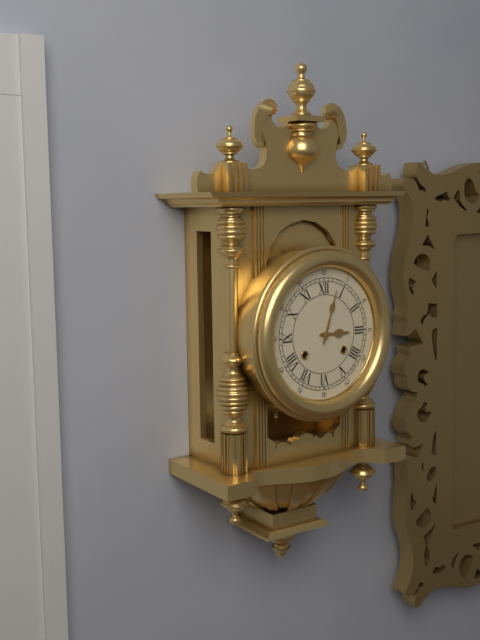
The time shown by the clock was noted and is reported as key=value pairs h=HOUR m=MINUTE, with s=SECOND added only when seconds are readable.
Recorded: h=3 m=3
